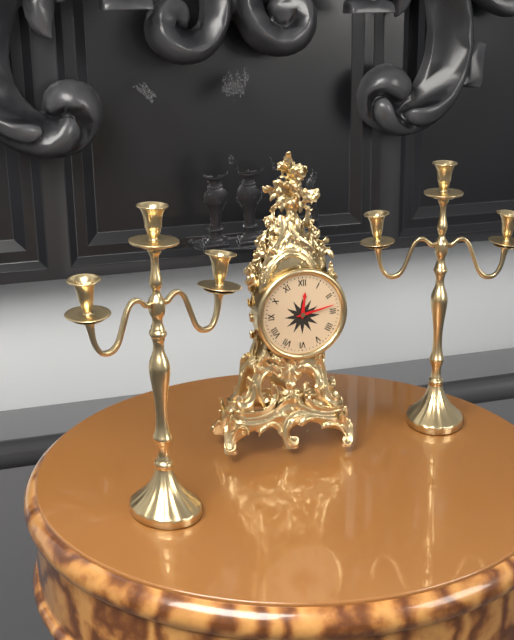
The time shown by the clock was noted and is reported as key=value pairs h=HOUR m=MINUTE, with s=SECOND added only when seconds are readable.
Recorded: h=12 m=13
